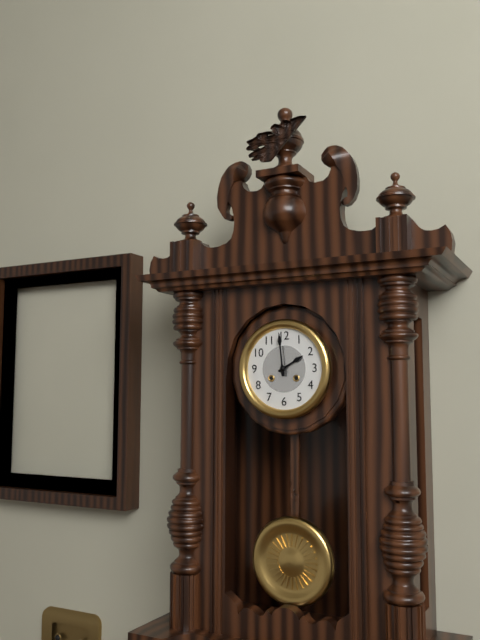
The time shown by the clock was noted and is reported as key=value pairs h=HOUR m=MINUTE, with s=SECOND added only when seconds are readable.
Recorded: h=1 m=59
